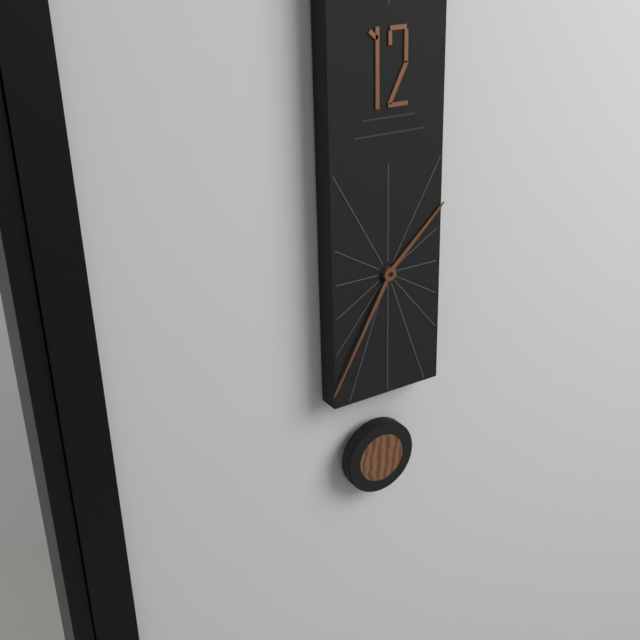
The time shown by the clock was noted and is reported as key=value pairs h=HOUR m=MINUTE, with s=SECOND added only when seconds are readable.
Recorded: h=1 m=35
